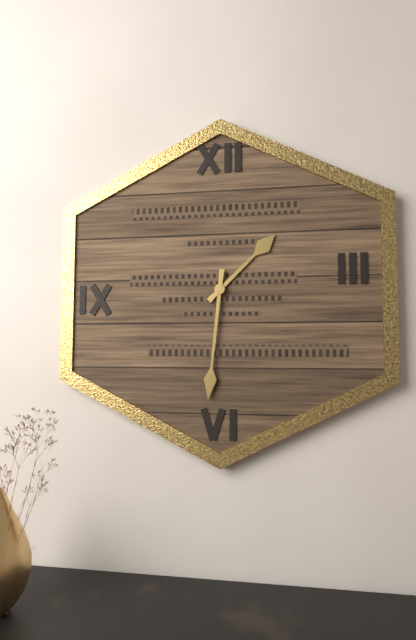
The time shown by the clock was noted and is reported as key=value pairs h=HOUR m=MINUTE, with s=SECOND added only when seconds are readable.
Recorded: h=1 m=31
